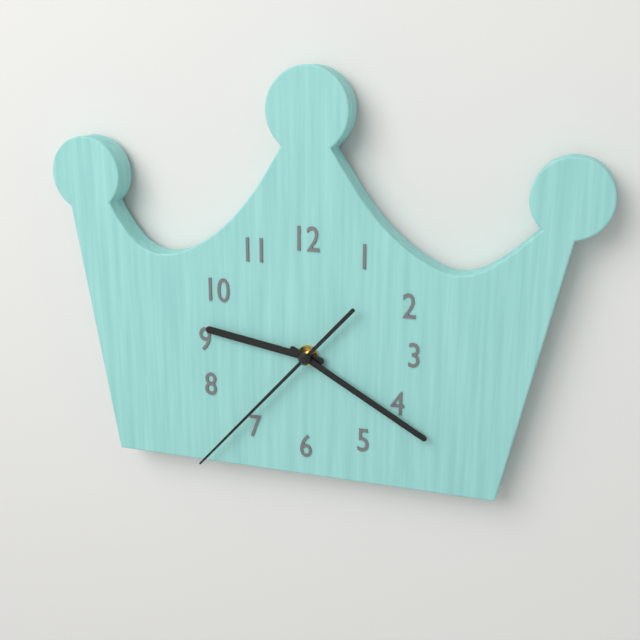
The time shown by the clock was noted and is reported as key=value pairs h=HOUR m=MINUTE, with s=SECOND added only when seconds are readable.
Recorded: h=9 m=20 s=37
